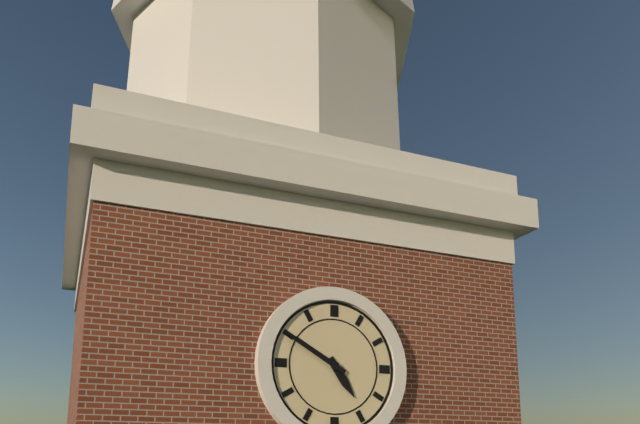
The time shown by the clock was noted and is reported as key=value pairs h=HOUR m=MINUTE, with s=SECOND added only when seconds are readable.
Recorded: h=4 m=50
